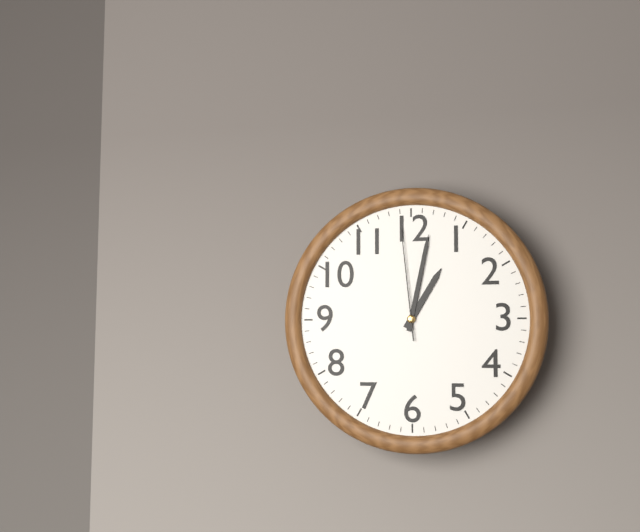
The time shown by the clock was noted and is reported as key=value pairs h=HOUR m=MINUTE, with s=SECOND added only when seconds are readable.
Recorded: h=1 m=2 s=59
